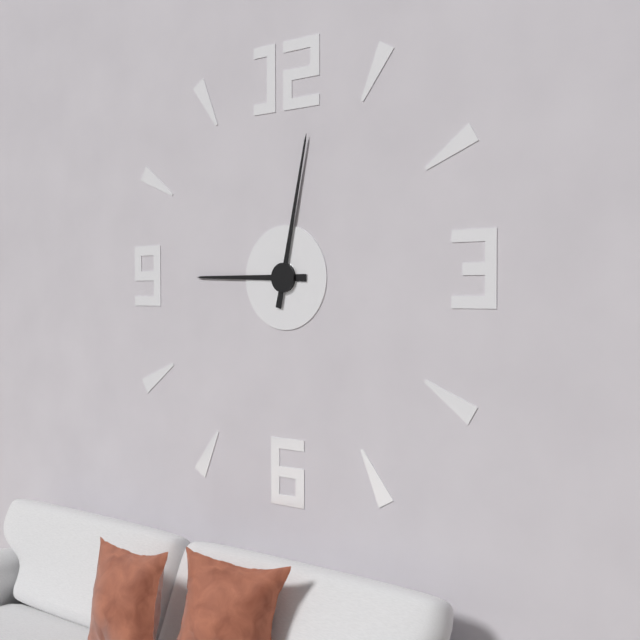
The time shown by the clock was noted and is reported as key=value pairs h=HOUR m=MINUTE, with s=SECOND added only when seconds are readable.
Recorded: h=9 m=2
